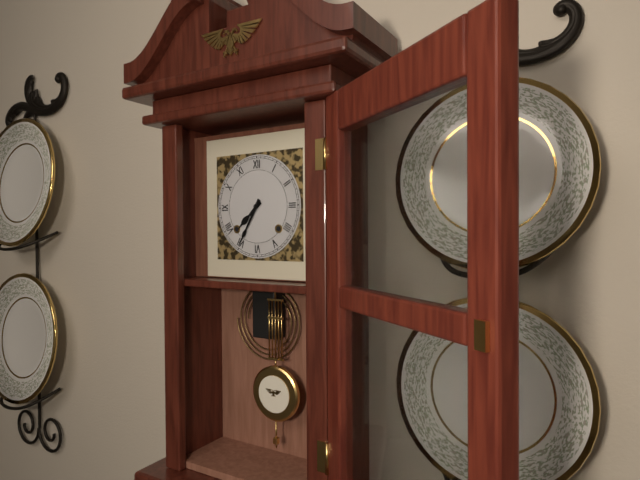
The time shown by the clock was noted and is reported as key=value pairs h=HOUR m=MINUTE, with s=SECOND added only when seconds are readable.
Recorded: h=7 m=35
